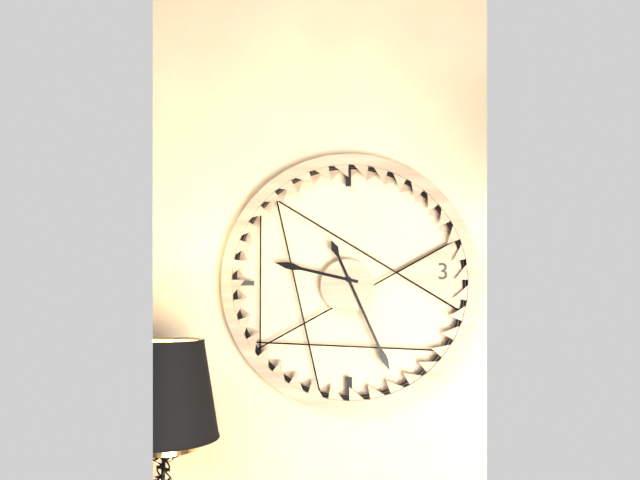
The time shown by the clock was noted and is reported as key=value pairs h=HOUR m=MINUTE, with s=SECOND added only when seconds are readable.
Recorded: h=9 m=26
